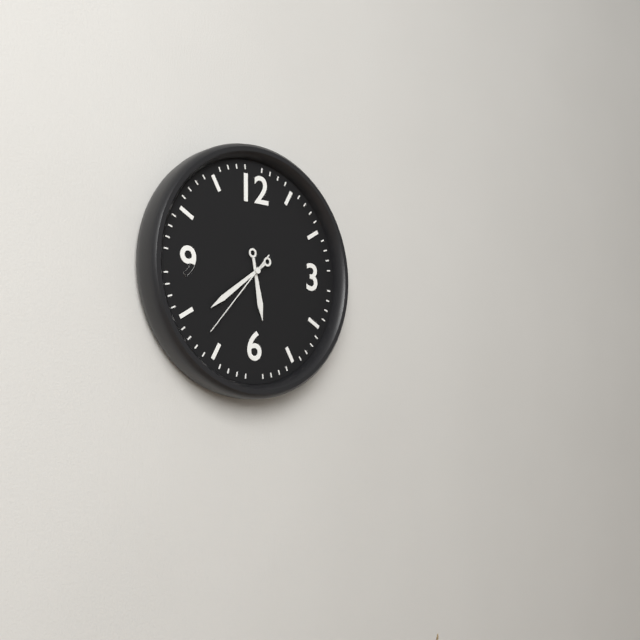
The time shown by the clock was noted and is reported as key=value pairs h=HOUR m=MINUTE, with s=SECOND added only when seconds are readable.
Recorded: h=5 m=39 s=37
